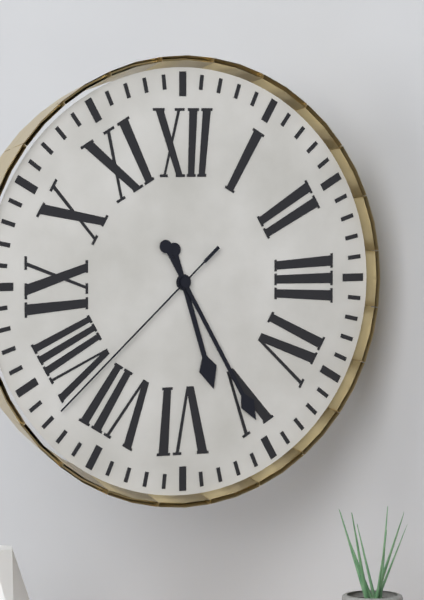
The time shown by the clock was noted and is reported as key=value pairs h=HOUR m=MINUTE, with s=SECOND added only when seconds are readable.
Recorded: h=5 m=25 s=38
